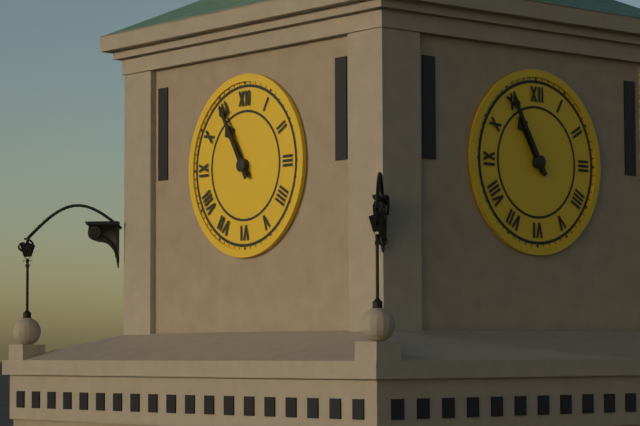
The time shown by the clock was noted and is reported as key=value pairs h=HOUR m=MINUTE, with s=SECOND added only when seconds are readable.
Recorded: h=10 m=55
